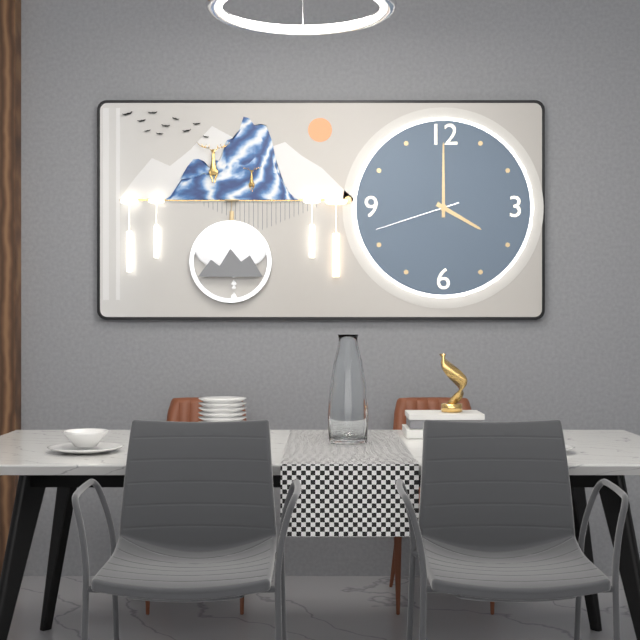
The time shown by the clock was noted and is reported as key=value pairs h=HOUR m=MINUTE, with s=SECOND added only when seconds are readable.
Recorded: h=4 m=0 s=42
